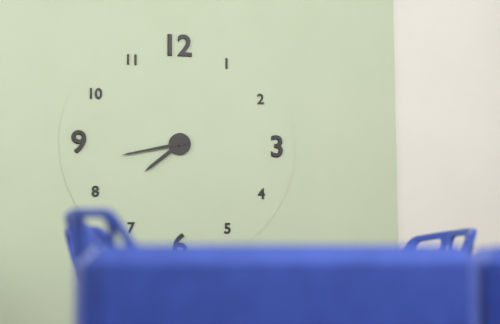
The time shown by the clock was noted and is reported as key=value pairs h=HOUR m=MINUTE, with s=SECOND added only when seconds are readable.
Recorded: h=7 m=43
